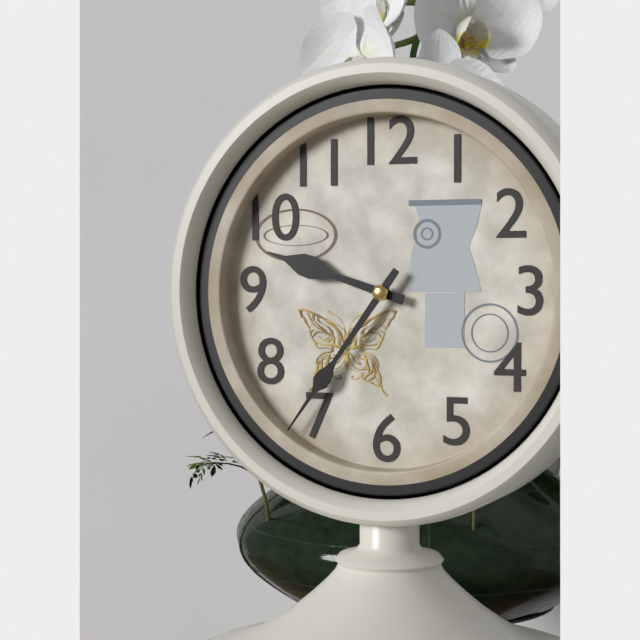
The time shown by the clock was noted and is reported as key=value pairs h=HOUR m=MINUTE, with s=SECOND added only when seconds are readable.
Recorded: h=9 m=36
